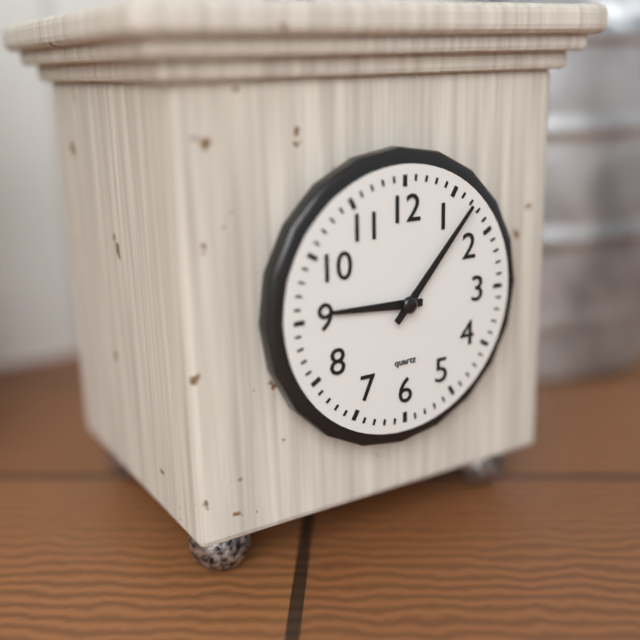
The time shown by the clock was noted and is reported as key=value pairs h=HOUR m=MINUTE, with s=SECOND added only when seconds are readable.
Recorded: h=9 m=7
